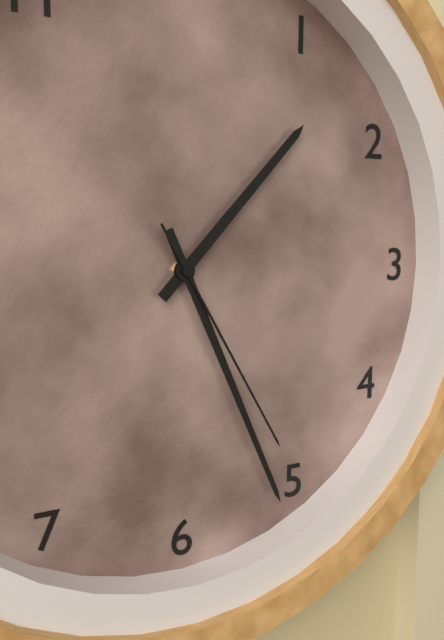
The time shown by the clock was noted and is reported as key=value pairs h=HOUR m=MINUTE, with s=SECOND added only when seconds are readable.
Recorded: h=1 m=26 s=25
